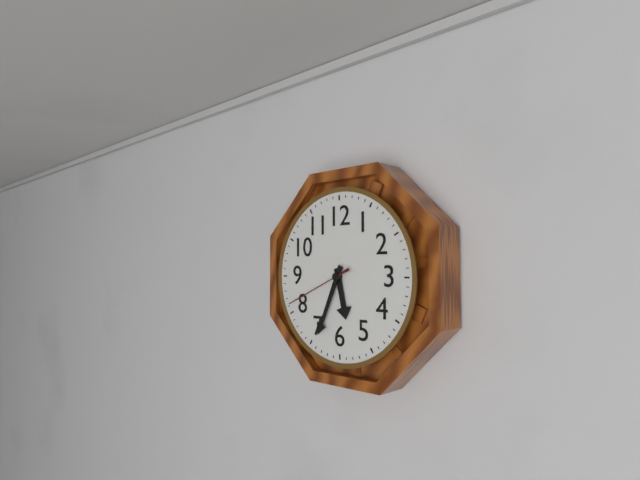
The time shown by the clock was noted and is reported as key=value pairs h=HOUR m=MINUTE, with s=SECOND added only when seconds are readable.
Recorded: h=5 m=34 s=41
